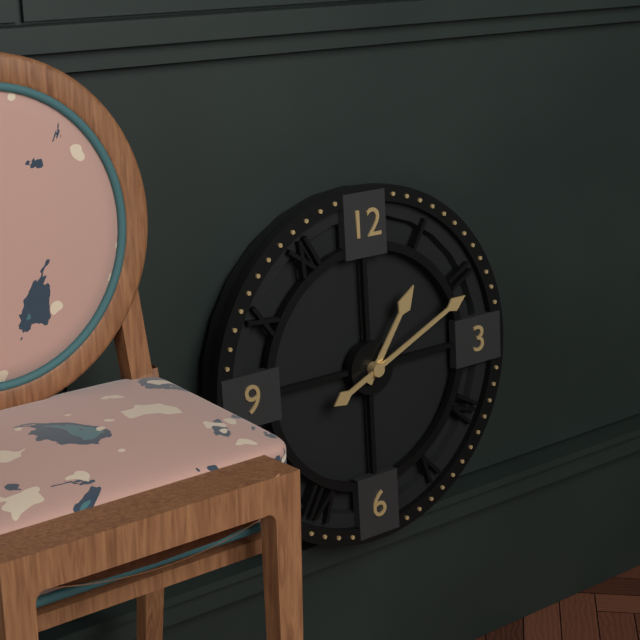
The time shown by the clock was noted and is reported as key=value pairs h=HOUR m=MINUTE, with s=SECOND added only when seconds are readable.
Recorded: h=1 m=11
